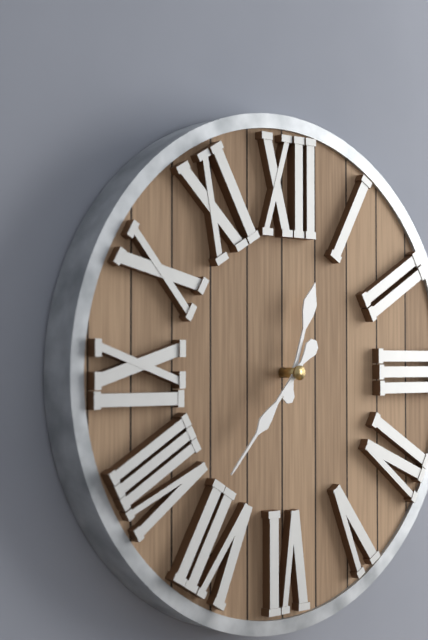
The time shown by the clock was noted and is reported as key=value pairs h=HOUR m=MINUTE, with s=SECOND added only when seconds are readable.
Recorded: h=12 m=37
